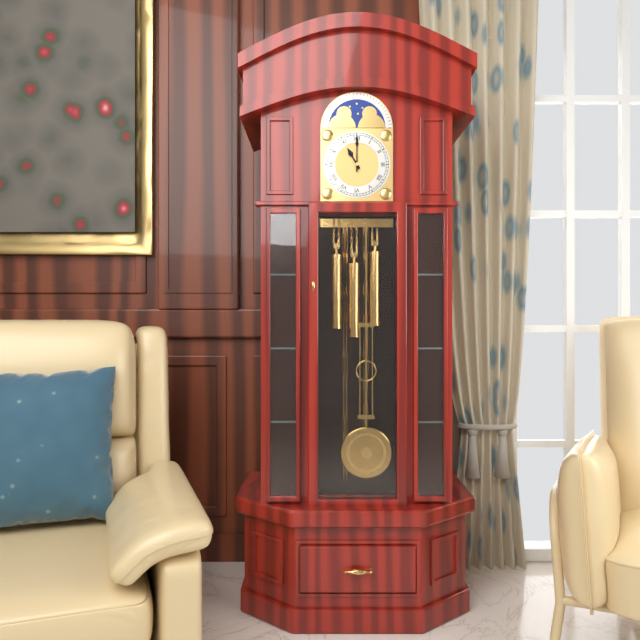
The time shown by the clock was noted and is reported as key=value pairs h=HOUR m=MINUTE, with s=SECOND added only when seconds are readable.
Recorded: h=11 m=0
